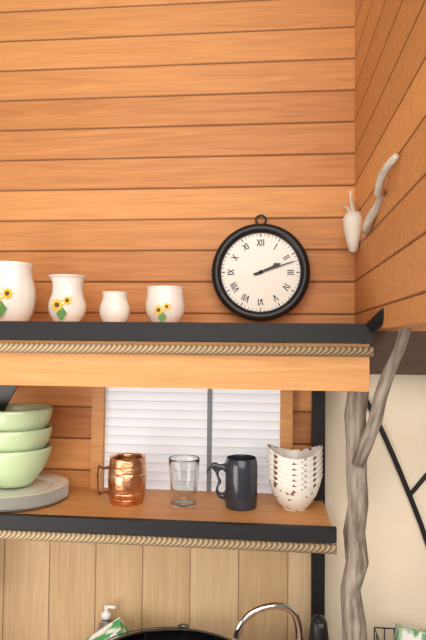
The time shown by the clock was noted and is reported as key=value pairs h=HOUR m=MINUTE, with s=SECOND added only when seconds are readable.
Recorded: h=2 m=12
